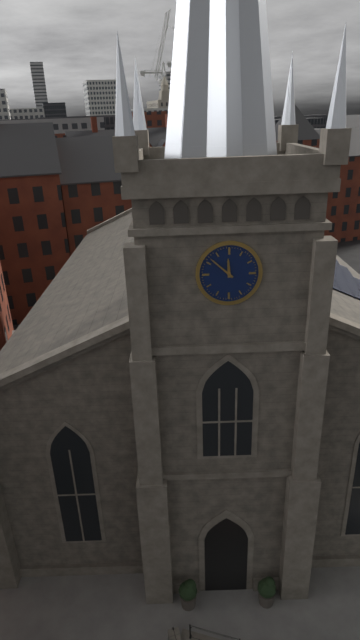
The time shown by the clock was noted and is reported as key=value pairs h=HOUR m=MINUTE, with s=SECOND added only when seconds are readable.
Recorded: h=11 m=52
